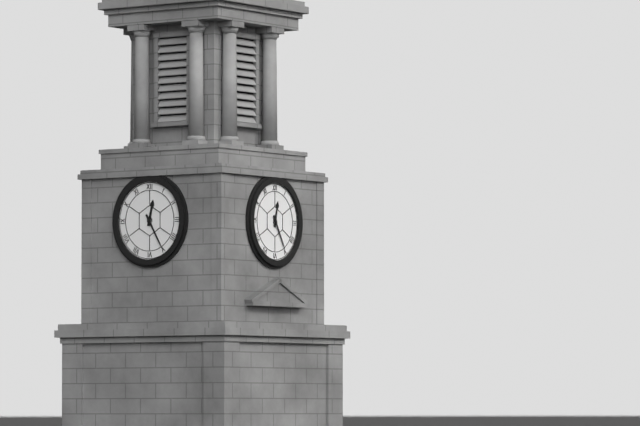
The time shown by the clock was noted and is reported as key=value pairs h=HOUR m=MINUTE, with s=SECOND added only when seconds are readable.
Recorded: h=12 m=25
